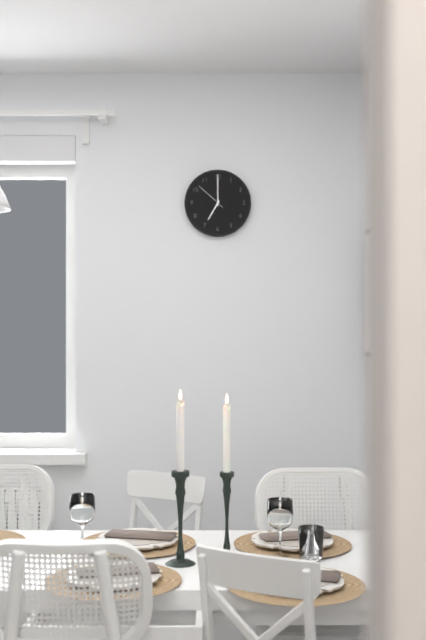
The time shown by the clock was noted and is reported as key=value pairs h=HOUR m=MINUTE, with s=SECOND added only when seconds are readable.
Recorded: h=7 m=0
